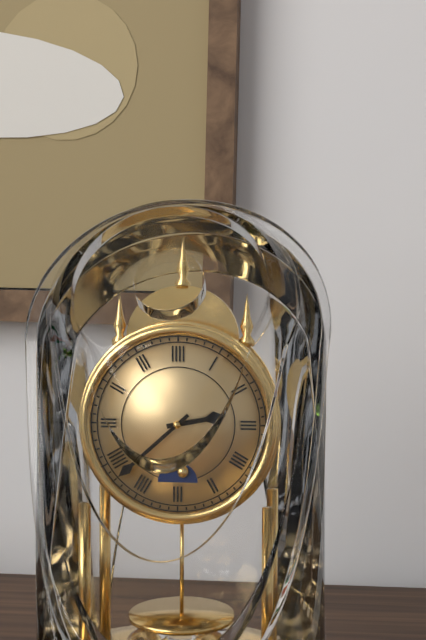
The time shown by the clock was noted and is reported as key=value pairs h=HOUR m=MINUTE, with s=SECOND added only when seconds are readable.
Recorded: h=2 m=38
